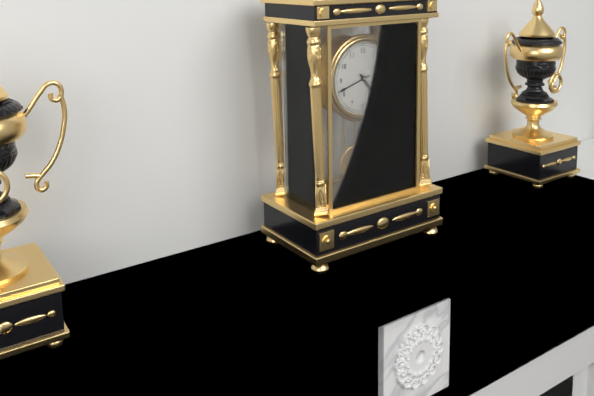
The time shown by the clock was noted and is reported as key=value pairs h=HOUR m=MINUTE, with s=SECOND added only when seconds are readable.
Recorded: h=4 m=42
